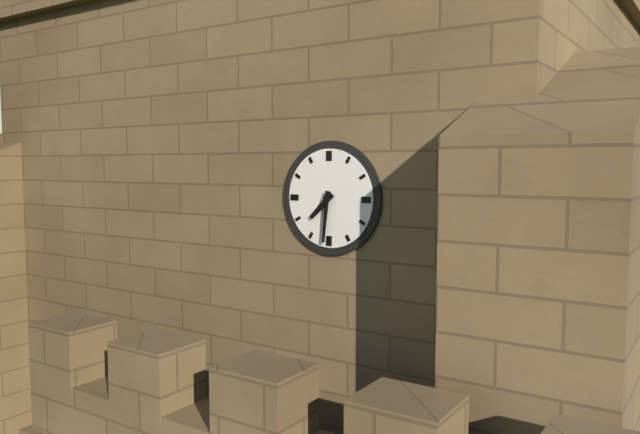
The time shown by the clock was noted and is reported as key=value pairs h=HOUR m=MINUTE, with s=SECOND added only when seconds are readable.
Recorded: h=7 m=31
